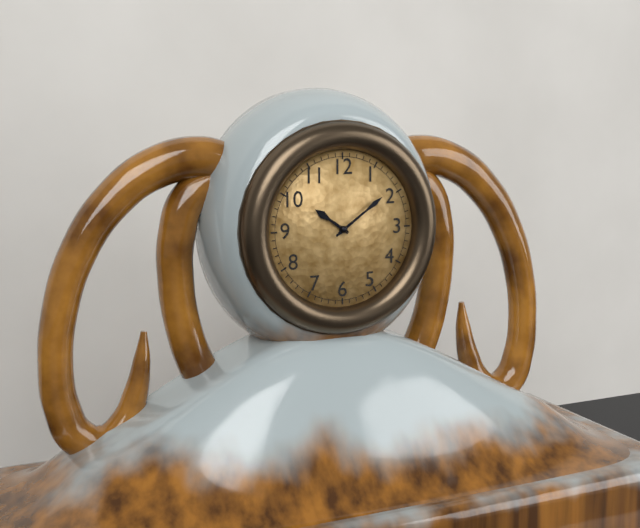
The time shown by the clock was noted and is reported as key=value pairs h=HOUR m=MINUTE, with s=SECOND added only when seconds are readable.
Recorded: h=10 m=9
